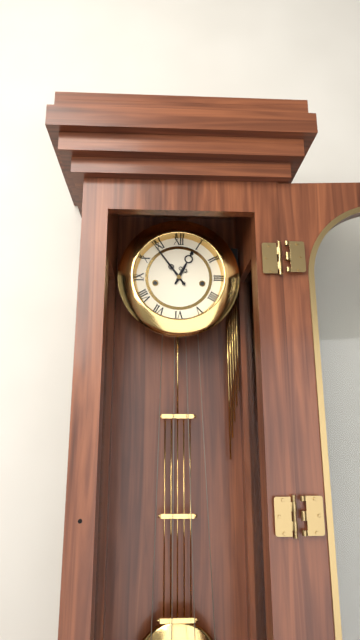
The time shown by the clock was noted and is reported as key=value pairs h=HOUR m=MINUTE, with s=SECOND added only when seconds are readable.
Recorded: h=12 m=54
